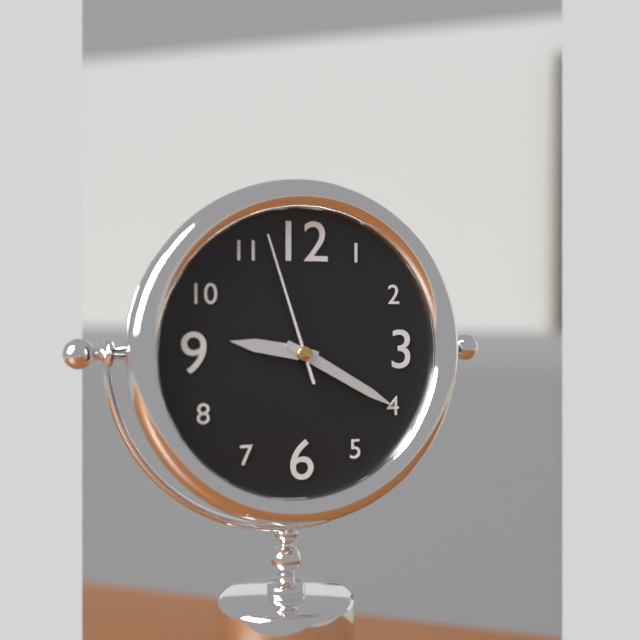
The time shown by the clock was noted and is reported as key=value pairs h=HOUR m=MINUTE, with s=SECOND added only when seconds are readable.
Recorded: h=9 m=20 s=57
